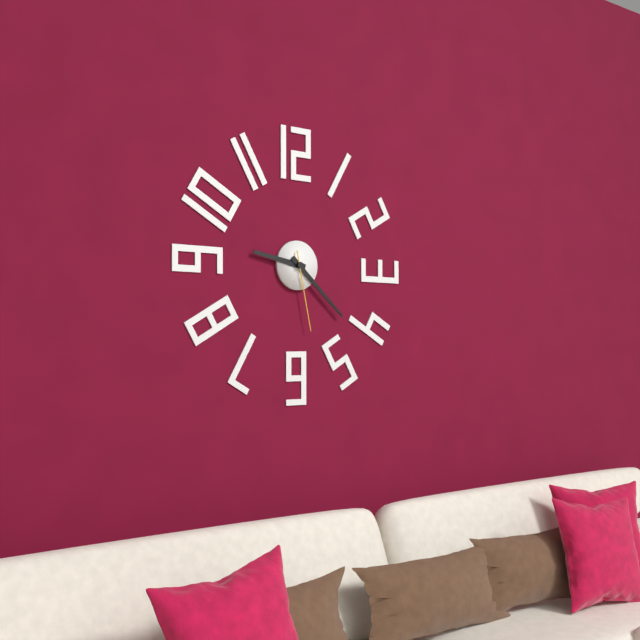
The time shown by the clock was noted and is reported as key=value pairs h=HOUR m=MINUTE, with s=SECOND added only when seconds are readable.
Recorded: h=9 m=22 s=28
